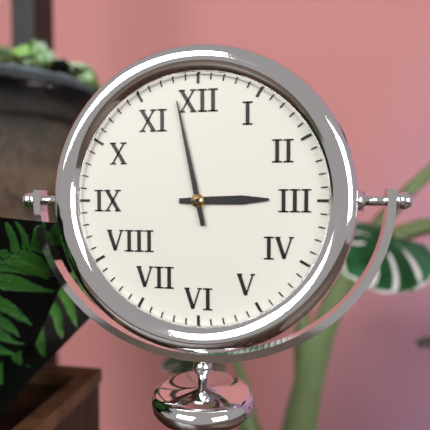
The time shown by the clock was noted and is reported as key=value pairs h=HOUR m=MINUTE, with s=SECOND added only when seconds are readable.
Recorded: h=2 m=58
